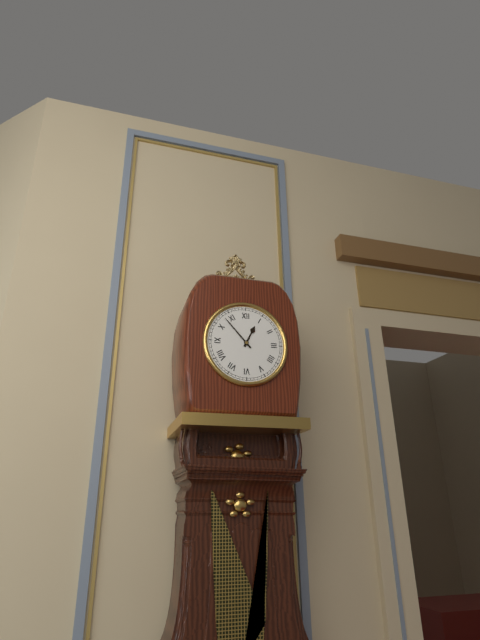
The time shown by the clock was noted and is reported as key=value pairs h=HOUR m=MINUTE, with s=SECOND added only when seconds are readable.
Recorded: h=12 m=53
